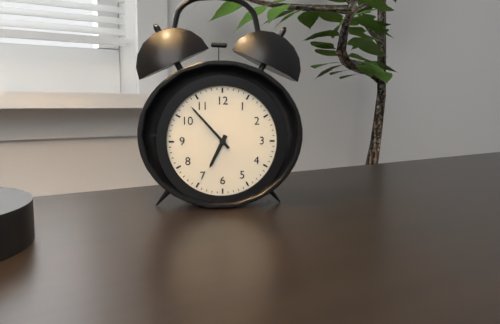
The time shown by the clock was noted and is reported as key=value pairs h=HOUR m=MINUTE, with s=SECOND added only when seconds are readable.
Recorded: h=6 m=53
